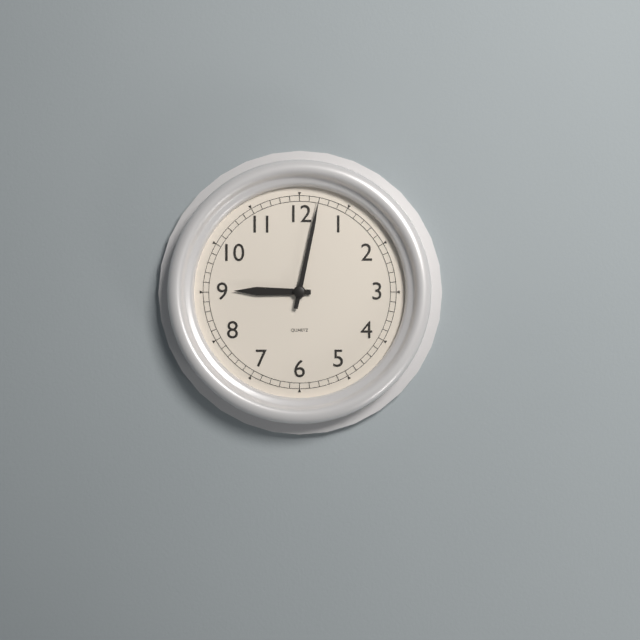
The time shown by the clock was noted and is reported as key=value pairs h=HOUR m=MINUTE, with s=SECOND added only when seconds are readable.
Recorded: h=9 m=2
